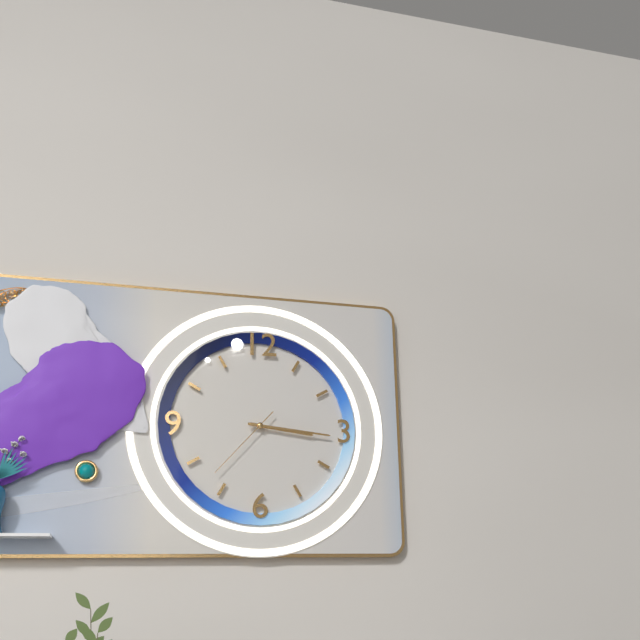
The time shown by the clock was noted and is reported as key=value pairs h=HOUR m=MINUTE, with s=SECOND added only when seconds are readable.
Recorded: h=3 m=16 s=37
